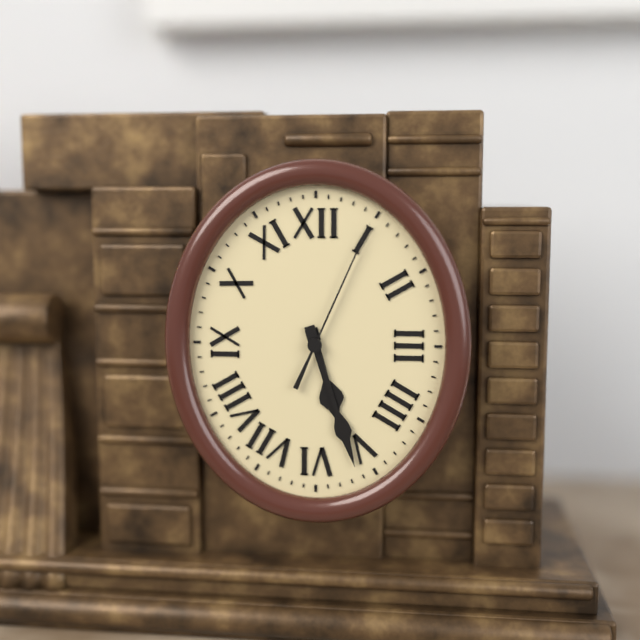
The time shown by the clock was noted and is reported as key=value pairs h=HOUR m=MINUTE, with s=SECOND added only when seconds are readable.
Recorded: h=5 m=27 s=4
